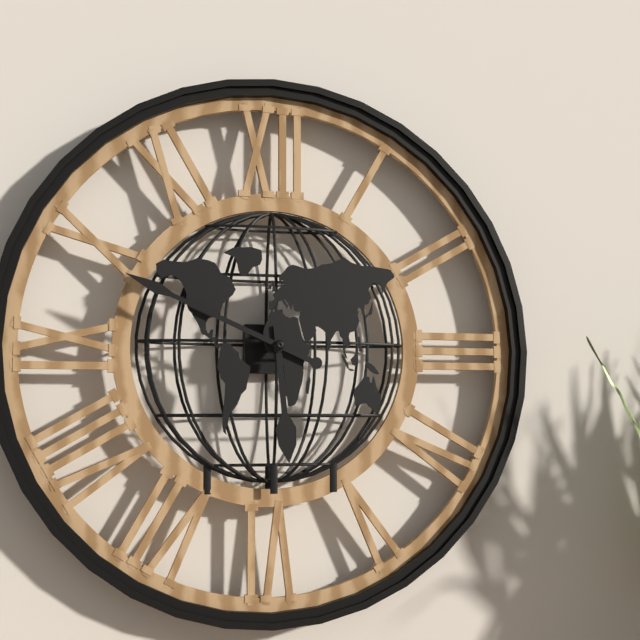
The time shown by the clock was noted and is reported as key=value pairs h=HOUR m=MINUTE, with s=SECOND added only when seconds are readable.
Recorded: h=5 m=49
